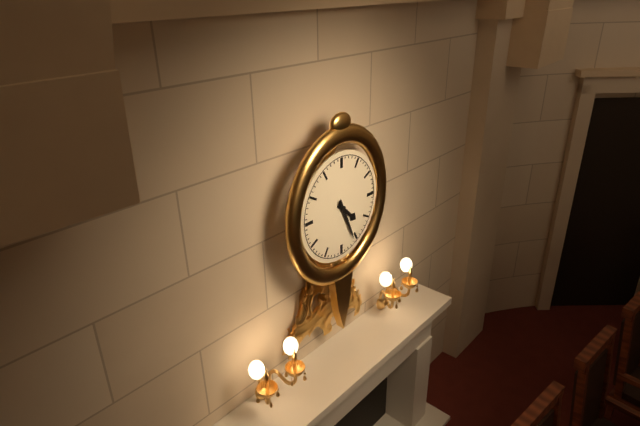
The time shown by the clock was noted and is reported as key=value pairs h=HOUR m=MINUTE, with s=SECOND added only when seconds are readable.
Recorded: h=4 m=26
